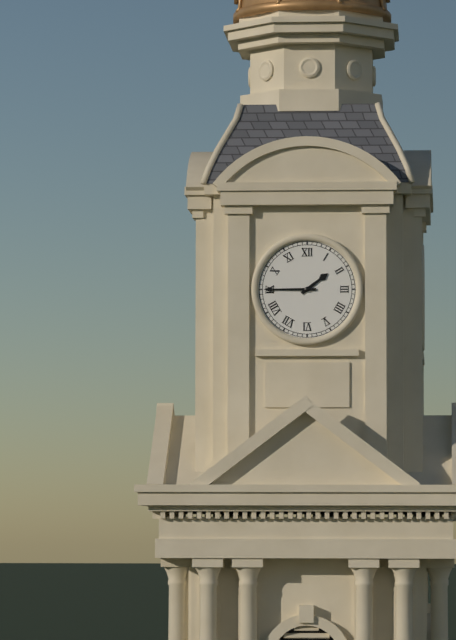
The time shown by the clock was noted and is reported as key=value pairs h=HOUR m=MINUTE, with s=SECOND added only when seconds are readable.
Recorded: h=1 m=45
